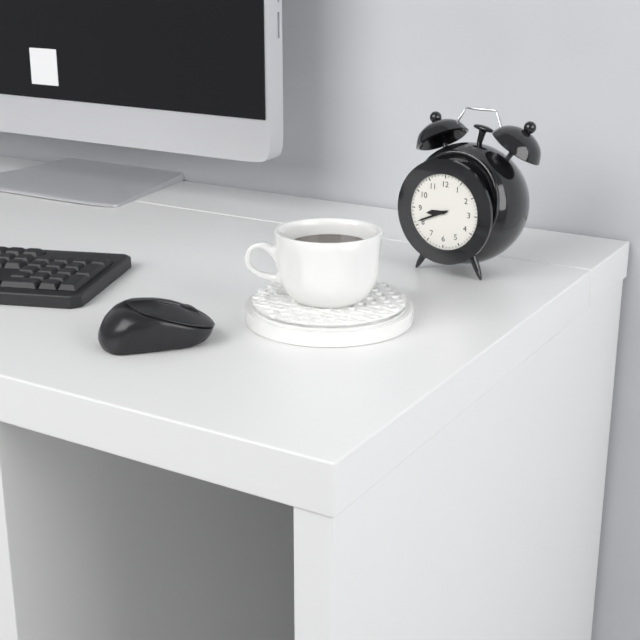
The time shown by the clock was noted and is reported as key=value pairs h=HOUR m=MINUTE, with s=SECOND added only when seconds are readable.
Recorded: h=8 m=41
